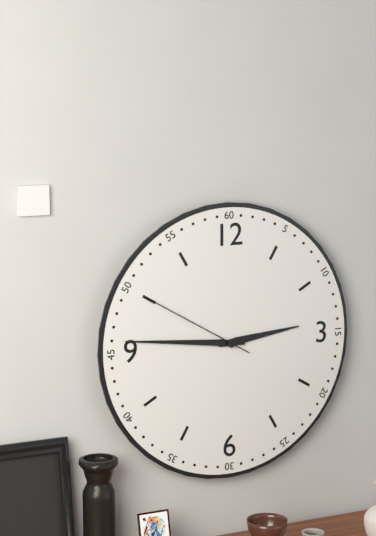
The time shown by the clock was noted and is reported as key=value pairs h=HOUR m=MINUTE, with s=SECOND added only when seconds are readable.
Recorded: h=2 m=46 s=50
